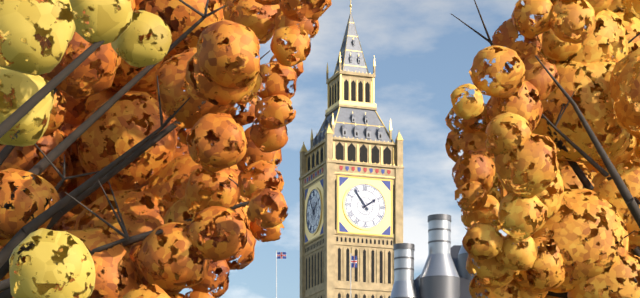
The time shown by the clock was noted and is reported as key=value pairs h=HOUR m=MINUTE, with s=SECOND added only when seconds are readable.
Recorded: h=1 m=54
